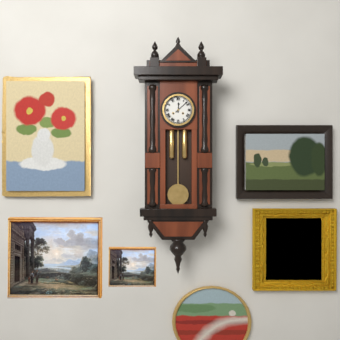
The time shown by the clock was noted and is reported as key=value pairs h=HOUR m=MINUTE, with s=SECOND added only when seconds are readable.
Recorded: h=12 m=8
